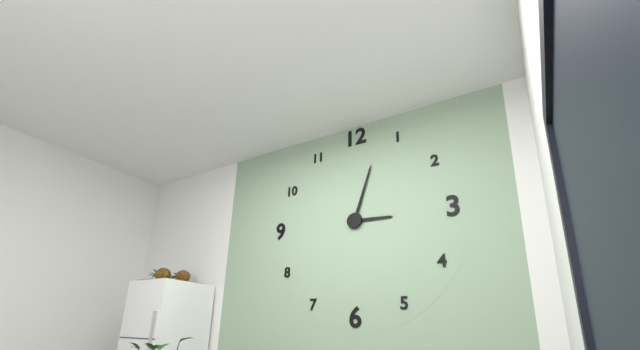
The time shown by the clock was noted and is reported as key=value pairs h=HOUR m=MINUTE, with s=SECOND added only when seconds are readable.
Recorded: h=3 m=3
